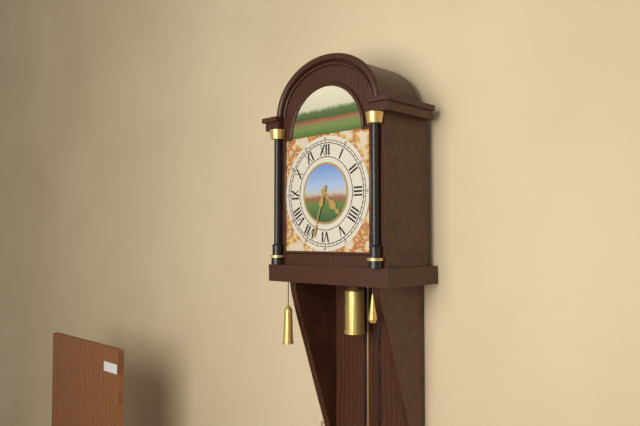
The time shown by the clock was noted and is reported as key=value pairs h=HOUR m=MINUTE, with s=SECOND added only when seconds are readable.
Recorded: h=4 m=33
